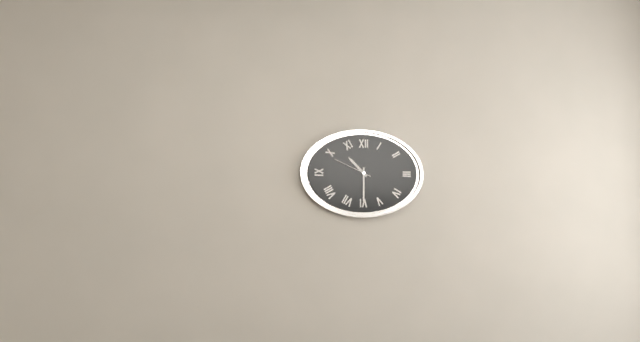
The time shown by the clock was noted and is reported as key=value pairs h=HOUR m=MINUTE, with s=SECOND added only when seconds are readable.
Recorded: h=10 m=30
